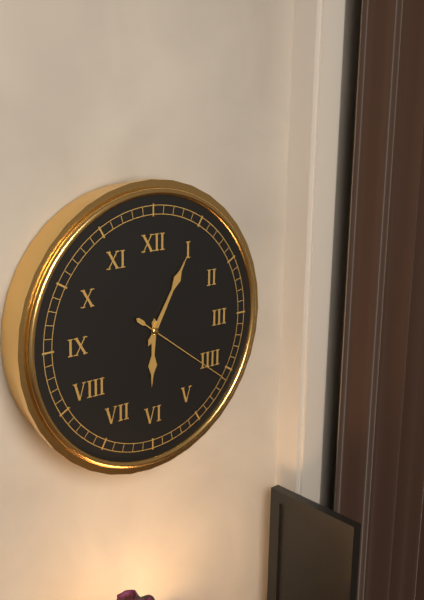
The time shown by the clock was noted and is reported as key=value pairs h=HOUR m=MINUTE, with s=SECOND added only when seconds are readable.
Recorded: h=6 m=5 s=21
